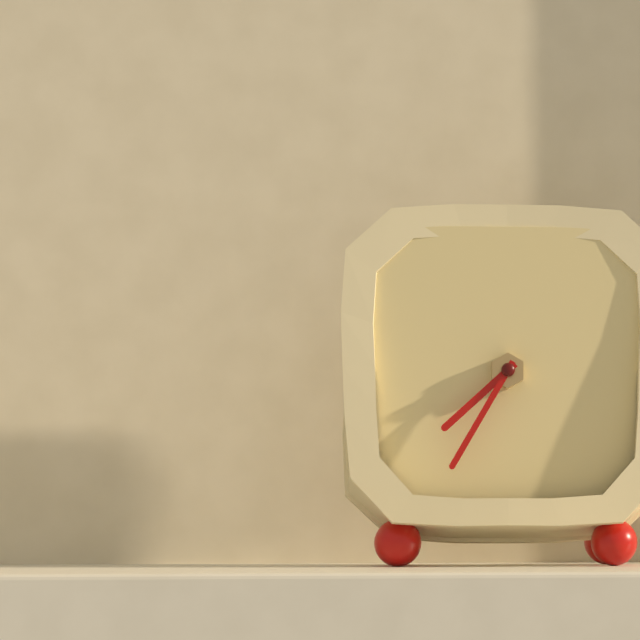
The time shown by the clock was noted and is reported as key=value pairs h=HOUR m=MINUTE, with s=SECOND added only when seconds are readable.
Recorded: h=7 m=35
